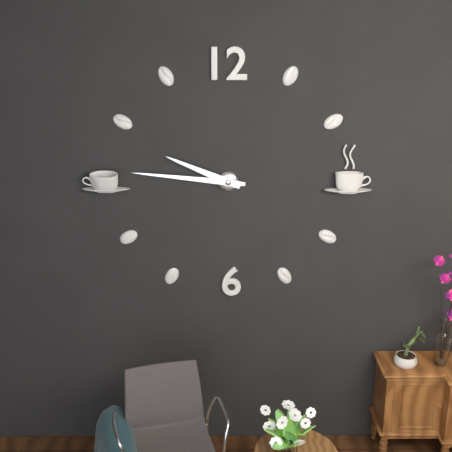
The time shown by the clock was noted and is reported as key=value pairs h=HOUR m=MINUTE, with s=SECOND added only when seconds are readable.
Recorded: h=9 m=46
